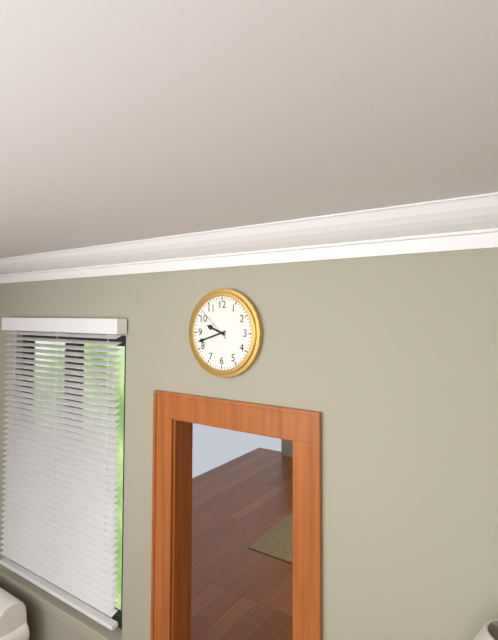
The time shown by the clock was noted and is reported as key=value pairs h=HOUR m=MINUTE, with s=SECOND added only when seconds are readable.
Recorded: h=9 m=42
